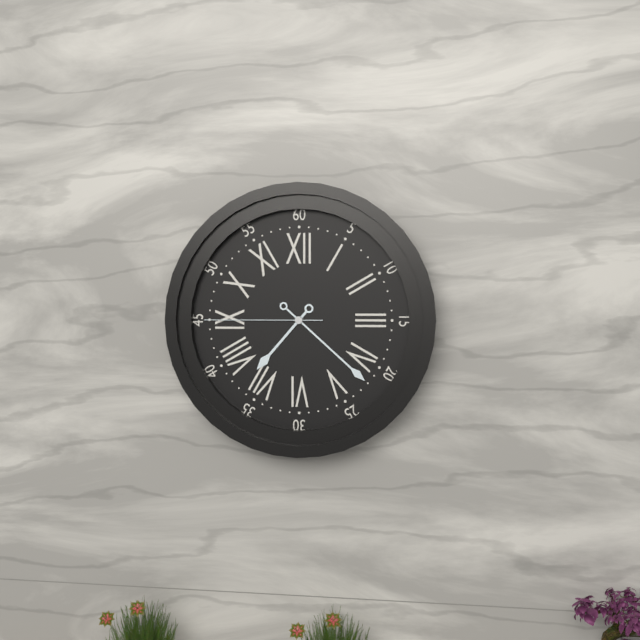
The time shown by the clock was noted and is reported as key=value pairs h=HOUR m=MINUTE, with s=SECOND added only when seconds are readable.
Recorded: h=7 m=22 s=45
